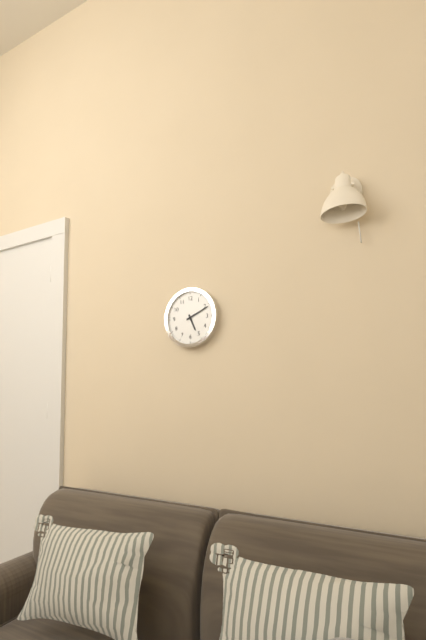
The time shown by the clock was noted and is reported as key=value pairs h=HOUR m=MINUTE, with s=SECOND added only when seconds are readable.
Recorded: h=5 m=11
